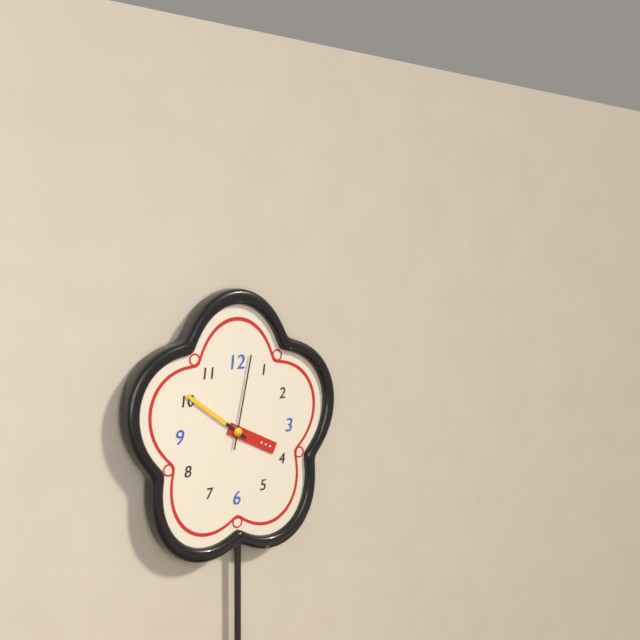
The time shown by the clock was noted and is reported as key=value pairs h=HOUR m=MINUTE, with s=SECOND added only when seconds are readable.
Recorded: h=3 m=51 s=2
